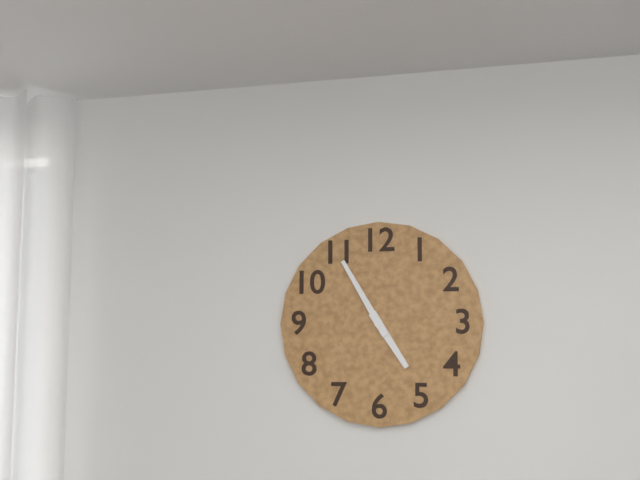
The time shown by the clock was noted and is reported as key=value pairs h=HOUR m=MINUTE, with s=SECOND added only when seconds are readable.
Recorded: h=4 m=55
